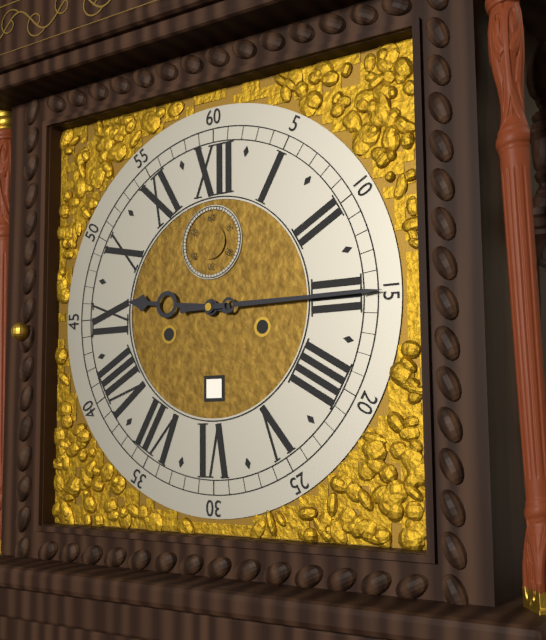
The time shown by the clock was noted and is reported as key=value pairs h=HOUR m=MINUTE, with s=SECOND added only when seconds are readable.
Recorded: h=9 m=15
